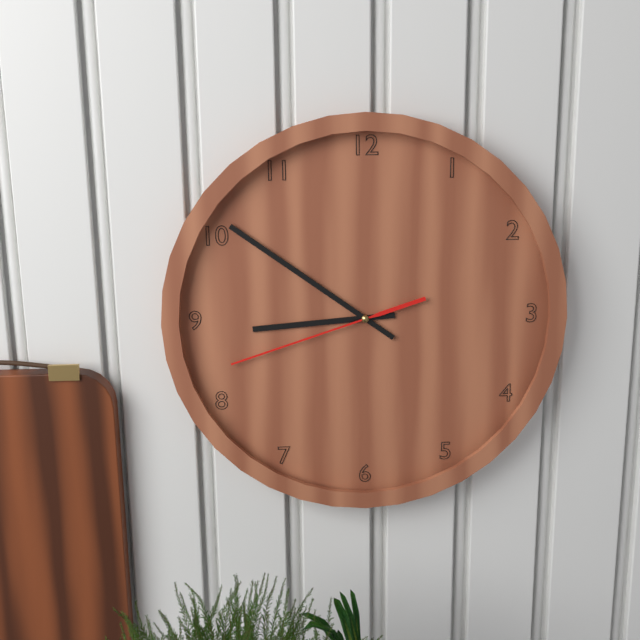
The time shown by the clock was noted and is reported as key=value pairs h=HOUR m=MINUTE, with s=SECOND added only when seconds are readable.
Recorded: h=8 m=51 s=42
